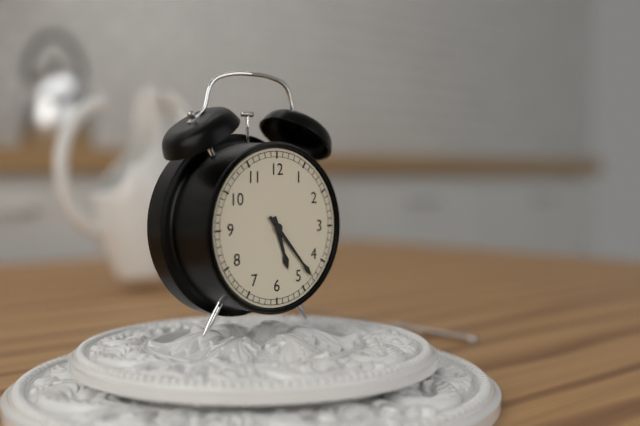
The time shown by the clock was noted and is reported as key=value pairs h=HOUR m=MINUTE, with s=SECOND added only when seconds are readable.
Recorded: h=5 m=23
